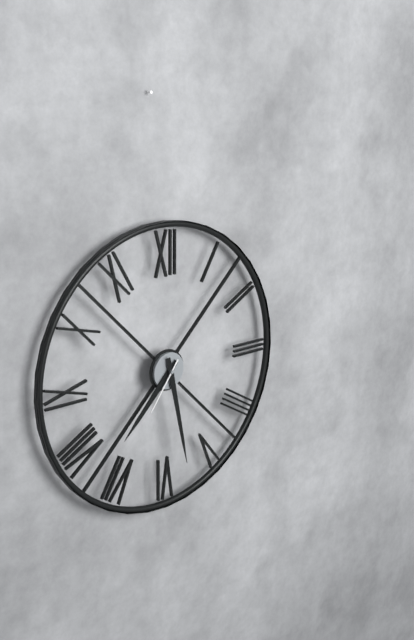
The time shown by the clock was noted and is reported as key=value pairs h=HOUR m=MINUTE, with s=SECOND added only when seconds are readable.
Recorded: h=7 m=28 s=36
